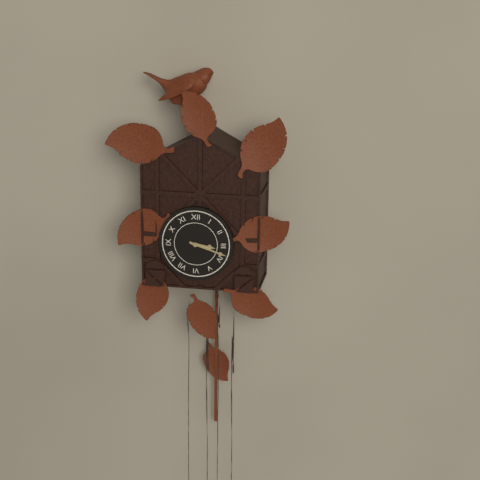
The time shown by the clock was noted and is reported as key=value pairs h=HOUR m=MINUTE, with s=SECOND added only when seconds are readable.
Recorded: h=3 m=18
